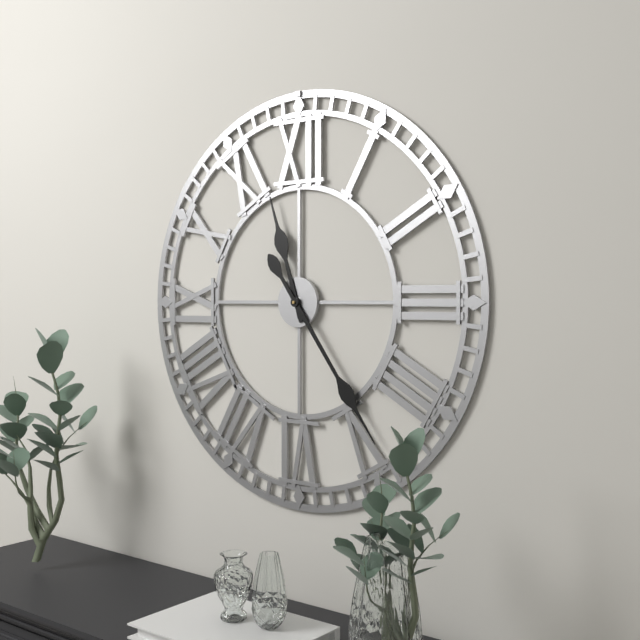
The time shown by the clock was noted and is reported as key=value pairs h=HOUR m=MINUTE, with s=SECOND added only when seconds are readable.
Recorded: h=11 m=24
